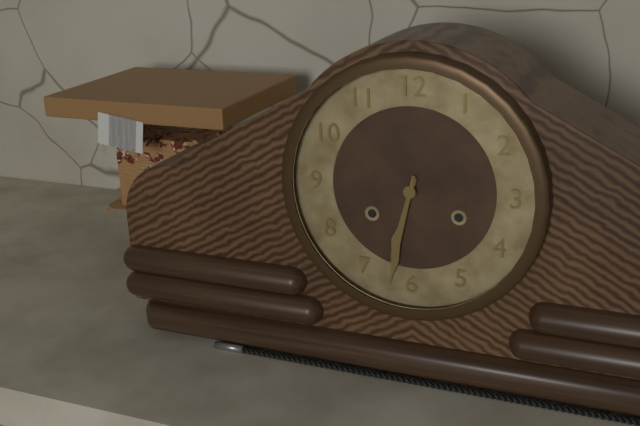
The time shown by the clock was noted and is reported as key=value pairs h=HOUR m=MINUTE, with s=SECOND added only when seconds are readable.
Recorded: h=6 m=32
